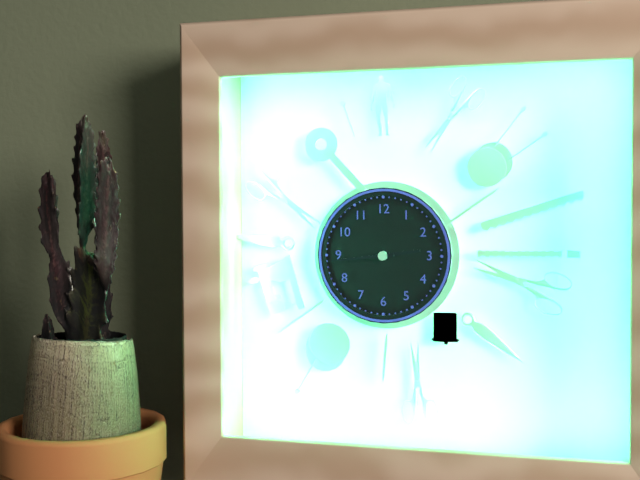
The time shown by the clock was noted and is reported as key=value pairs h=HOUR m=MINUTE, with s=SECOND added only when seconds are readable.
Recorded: h=2 m=44
